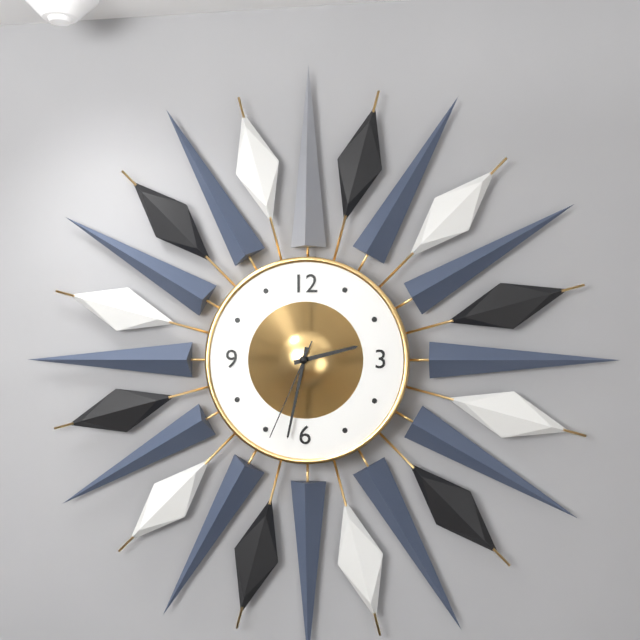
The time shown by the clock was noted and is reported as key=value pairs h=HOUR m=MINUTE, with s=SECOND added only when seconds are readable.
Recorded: h=2 m=32 s=34
